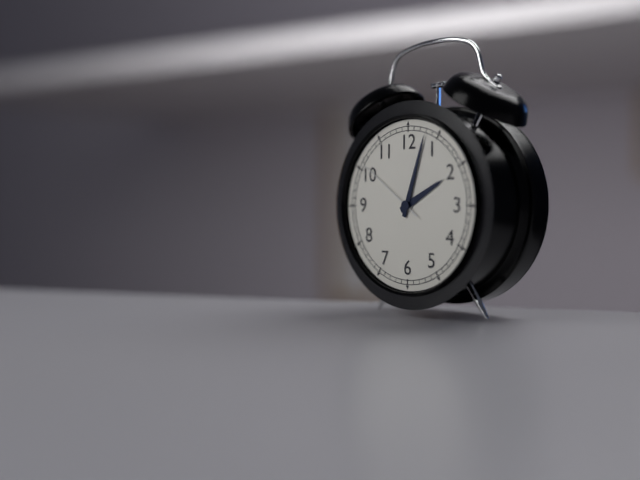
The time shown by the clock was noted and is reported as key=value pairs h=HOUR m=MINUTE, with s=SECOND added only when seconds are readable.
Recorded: h=2 m=3 s=51
